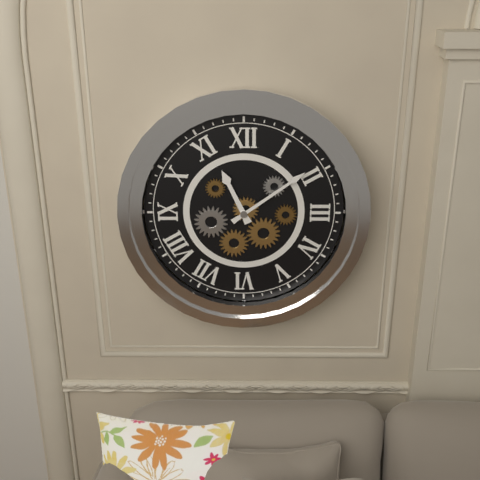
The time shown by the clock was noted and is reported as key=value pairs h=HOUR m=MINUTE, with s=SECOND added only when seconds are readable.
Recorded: h=11 m=9
